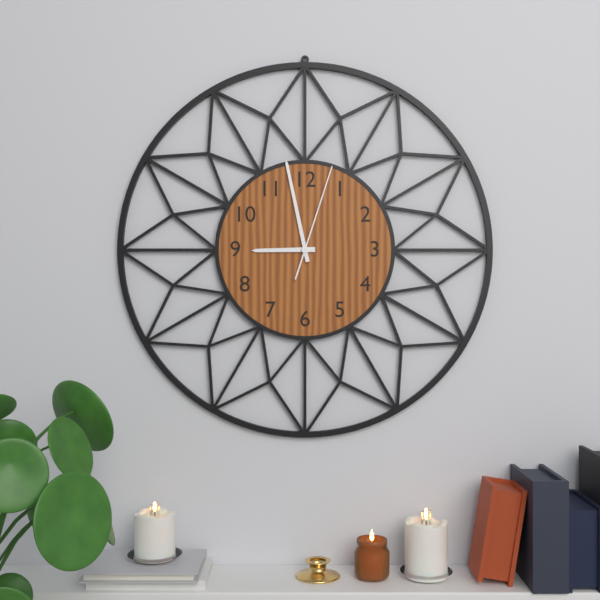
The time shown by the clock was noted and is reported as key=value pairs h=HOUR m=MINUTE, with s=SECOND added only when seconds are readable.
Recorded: h=8 m=58 s=3
